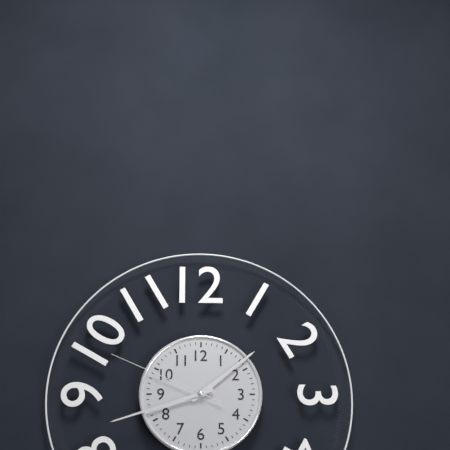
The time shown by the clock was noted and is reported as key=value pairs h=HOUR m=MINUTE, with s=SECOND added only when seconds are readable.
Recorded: h=1 m=42 s=49
